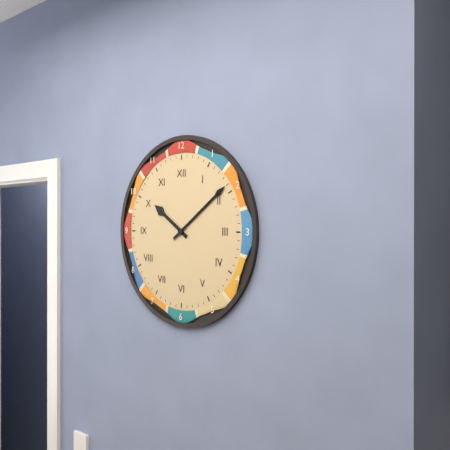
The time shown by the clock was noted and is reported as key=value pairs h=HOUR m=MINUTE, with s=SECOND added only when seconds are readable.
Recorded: h=10 m=9
